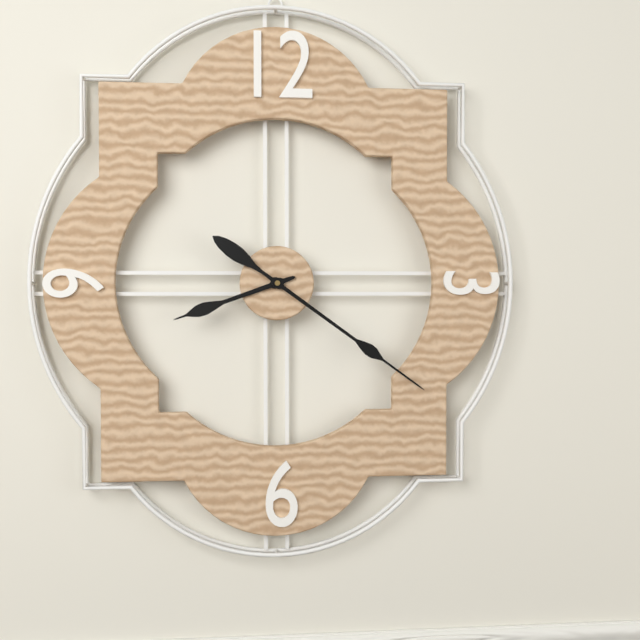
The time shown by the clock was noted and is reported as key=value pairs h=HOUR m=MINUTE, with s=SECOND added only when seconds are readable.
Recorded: h=8 m=21
